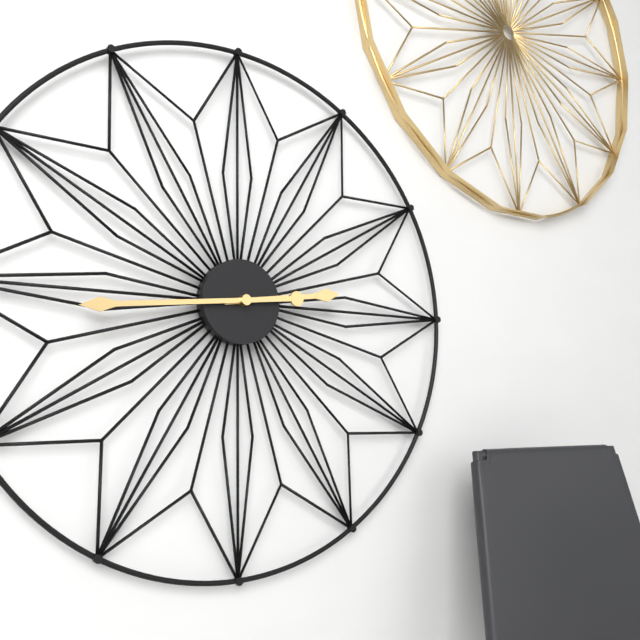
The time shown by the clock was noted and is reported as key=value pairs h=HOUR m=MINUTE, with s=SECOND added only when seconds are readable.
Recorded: h=2 m=44
